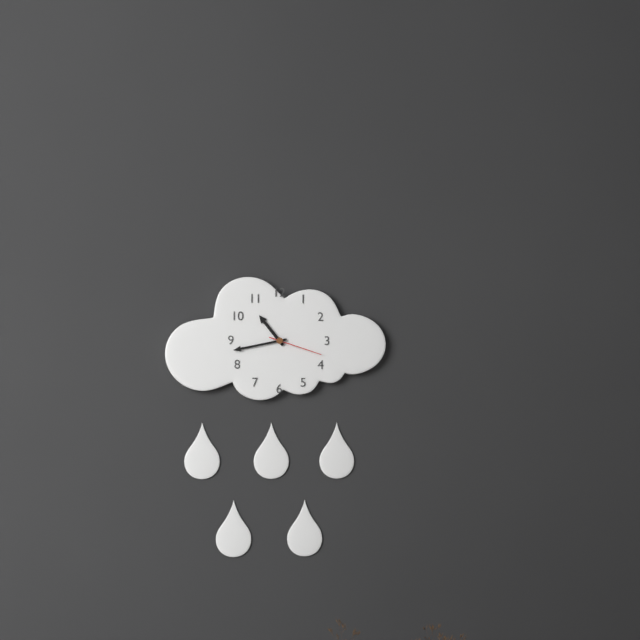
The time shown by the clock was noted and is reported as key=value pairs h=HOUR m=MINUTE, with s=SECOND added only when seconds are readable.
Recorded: h=10 m=43 s=18
